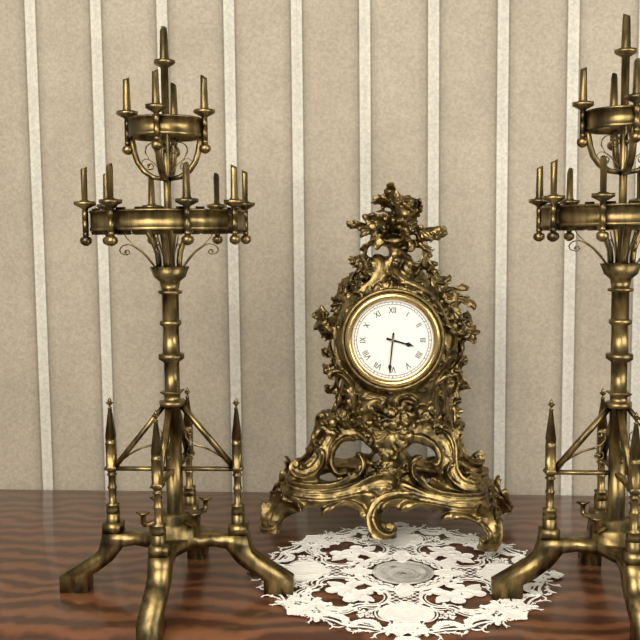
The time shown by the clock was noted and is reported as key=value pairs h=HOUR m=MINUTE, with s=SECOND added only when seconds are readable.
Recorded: h=3 m=31
